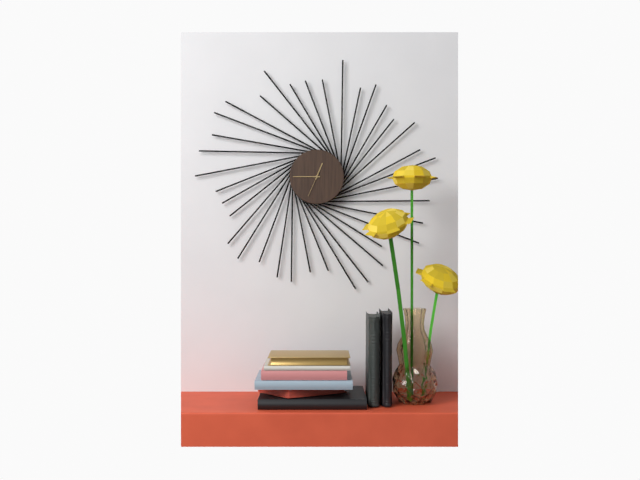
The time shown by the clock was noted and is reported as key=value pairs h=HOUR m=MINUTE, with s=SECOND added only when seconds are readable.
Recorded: h=12 m=45
